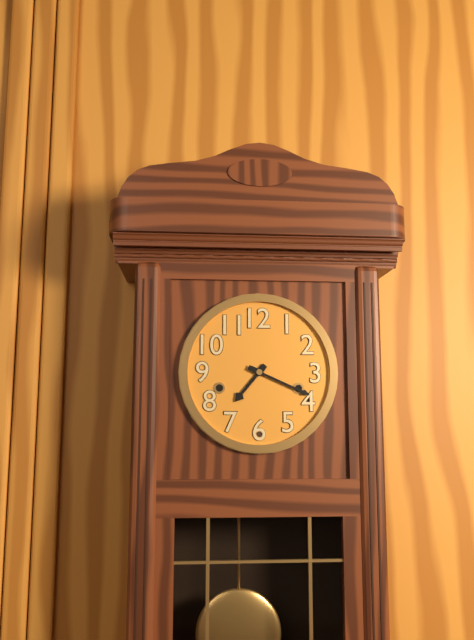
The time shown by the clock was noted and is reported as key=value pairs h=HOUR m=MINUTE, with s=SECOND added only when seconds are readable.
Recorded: h=7 m=19
